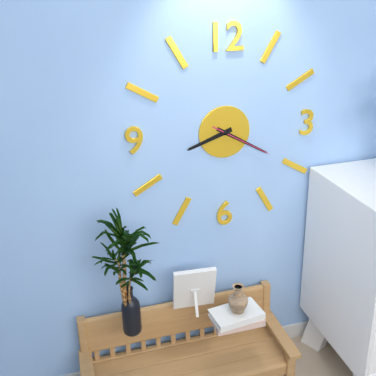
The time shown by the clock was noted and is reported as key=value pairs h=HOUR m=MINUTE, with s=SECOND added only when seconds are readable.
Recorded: h=8 m=20 s=20
